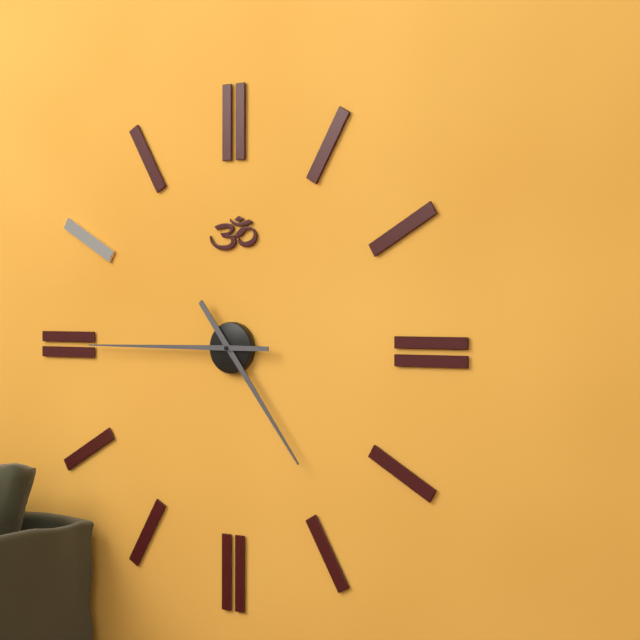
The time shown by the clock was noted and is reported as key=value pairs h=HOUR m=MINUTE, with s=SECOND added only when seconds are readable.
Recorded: h=4 m=45
